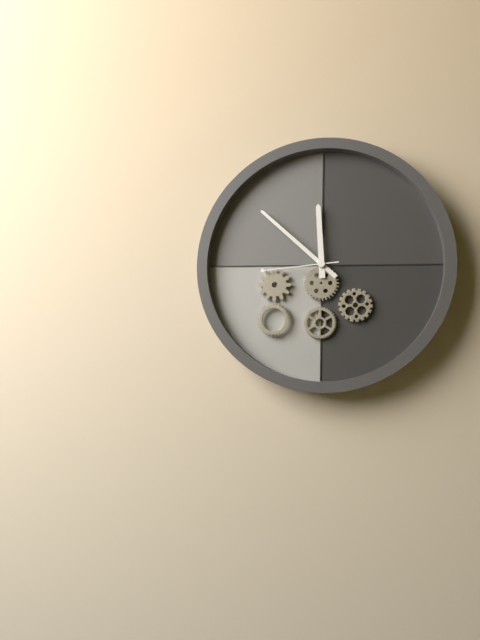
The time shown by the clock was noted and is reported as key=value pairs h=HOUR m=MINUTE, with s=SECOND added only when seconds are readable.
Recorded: h=11 m=52 s=44
